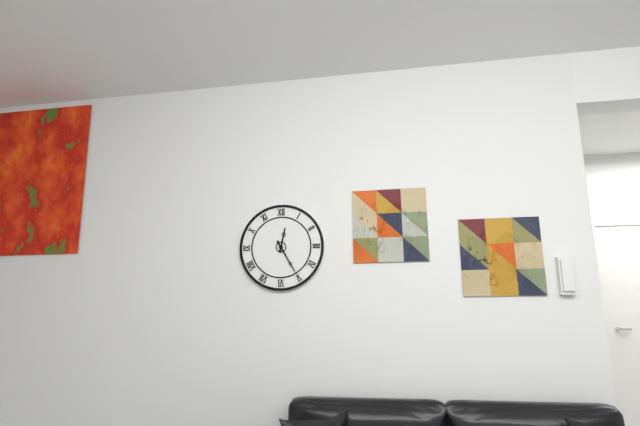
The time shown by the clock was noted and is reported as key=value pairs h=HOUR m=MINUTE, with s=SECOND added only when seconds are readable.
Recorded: h=12 m=25
